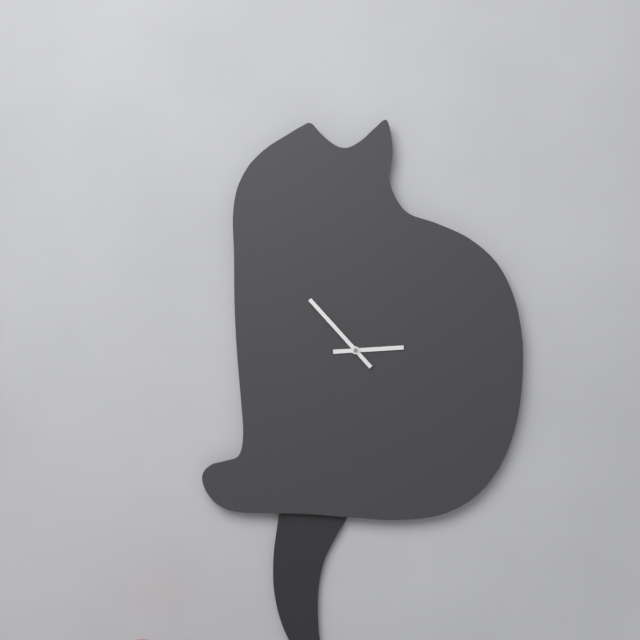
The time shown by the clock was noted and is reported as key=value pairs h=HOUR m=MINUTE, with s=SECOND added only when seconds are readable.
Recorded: h=2 m=53
